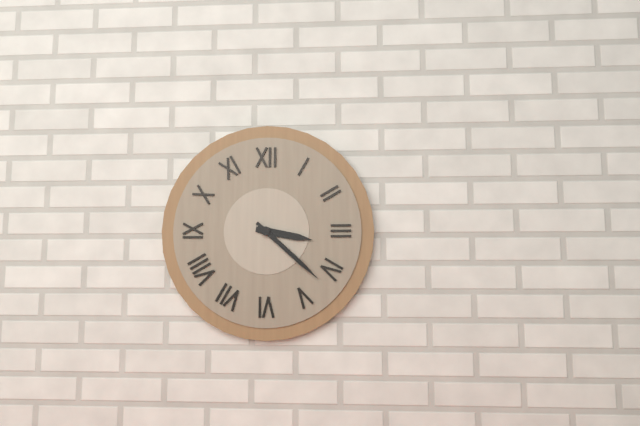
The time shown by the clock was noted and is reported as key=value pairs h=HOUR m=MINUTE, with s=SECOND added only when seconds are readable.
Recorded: h=3 m=22
